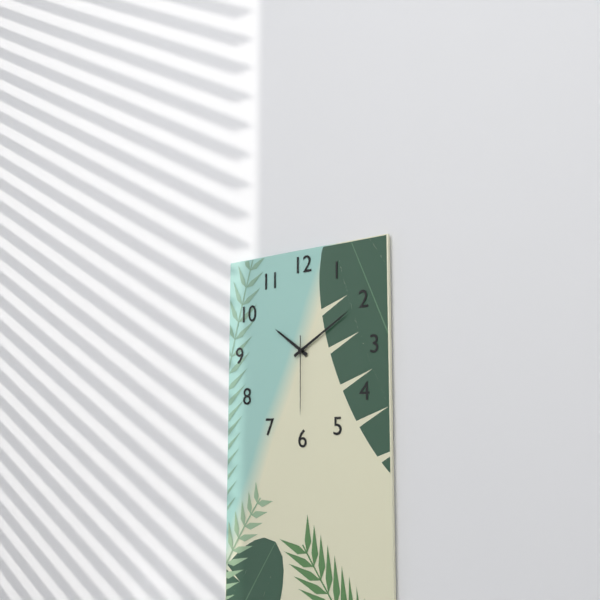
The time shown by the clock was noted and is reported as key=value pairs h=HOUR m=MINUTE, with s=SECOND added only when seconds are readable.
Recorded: h=10 m=10 s=30
